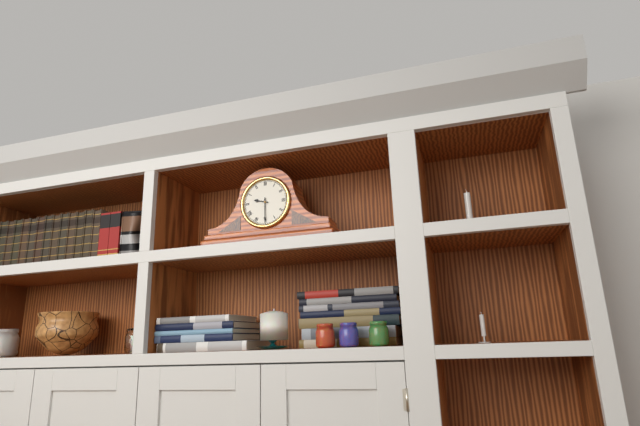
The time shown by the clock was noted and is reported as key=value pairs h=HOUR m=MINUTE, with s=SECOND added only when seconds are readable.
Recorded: h=9 m=30
